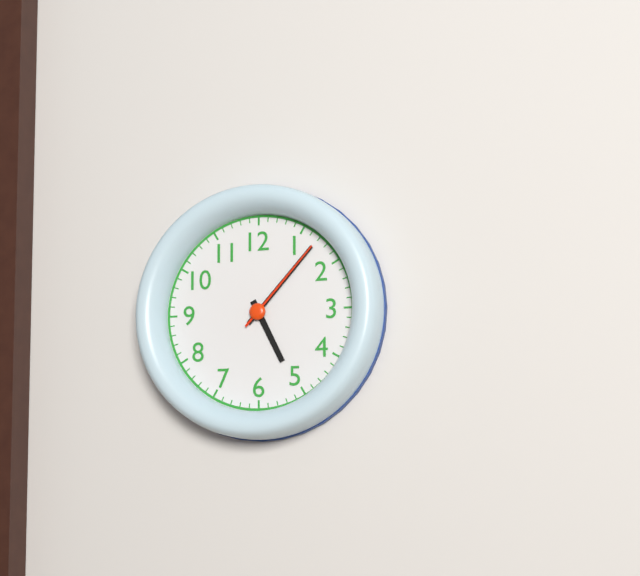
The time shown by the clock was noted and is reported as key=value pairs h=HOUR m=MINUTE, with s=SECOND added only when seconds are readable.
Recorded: h=5 m=7 s=7
